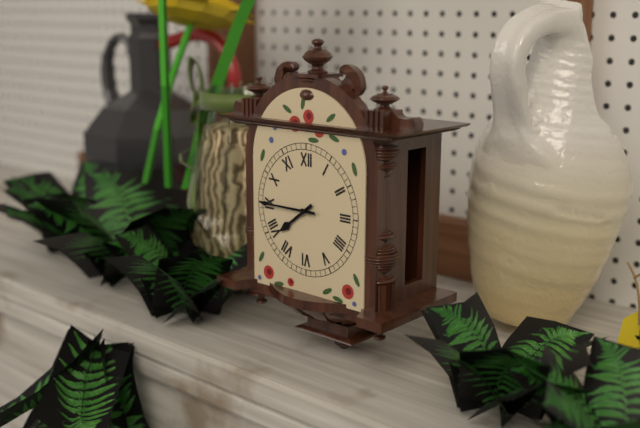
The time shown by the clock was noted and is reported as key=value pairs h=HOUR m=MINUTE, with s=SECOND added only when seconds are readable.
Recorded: h=7 m=45
